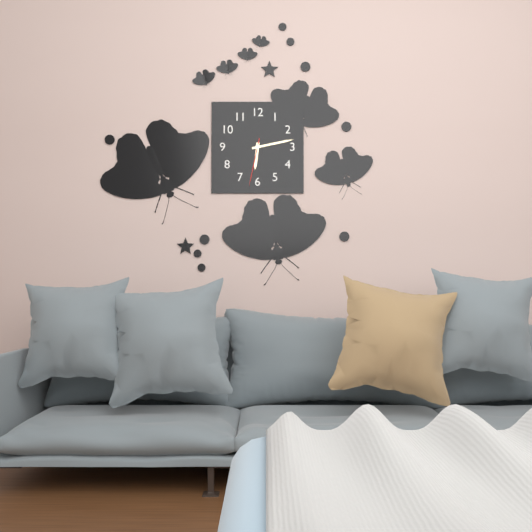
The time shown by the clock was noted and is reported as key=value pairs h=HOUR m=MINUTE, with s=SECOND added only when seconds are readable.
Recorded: h=6 m=13 s=32
